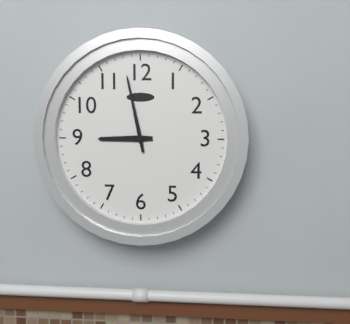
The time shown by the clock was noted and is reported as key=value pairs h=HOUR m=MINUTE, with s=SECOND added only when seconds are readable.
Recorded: h=8 m=58
